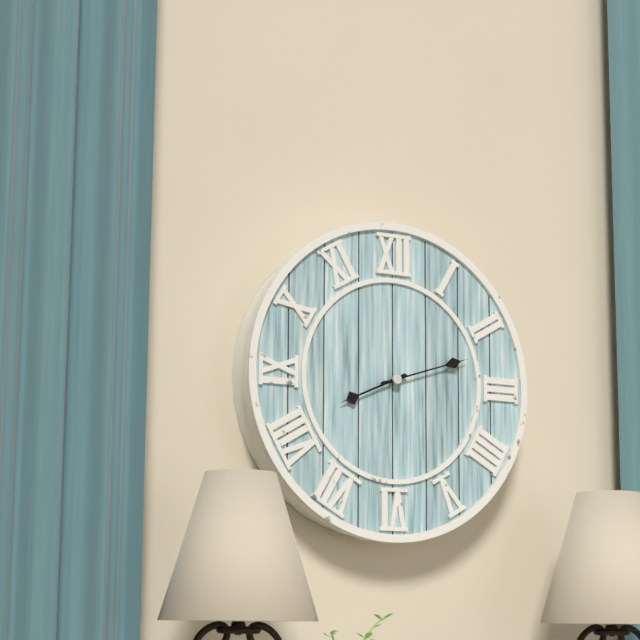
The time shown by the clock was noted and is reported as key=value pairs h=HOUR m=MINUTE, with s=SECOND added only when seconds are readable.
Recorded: h=8 m=12
